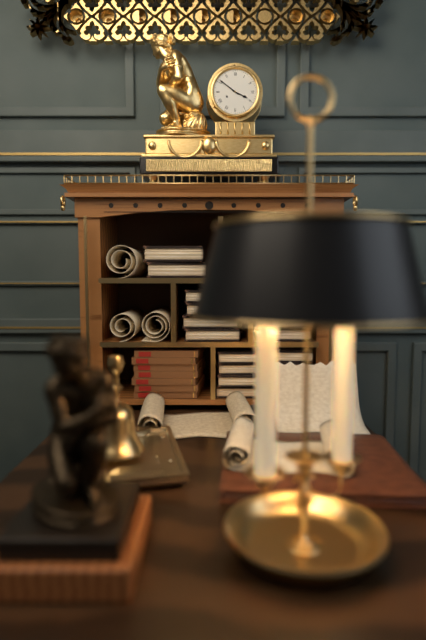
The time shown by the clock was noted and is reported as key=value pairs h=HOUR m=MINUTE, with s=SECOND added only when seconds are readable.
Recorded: h=3 m=51
